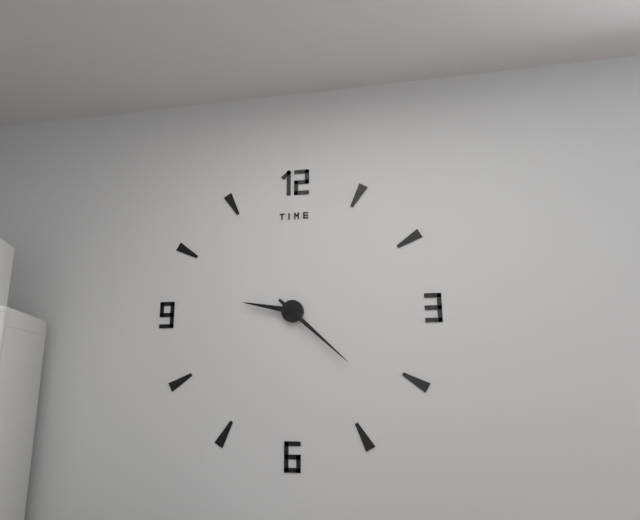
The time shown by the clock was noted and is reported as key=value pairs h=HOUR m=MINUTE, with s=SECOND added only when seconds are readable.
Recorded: h=9 m=22
